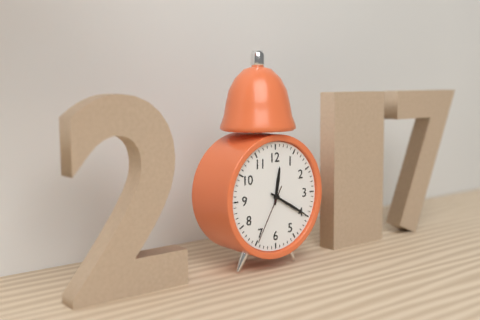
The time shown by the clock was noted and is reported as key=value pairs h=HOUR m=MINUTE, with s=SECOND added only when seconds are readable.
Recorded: h=12 m=20 s=35
